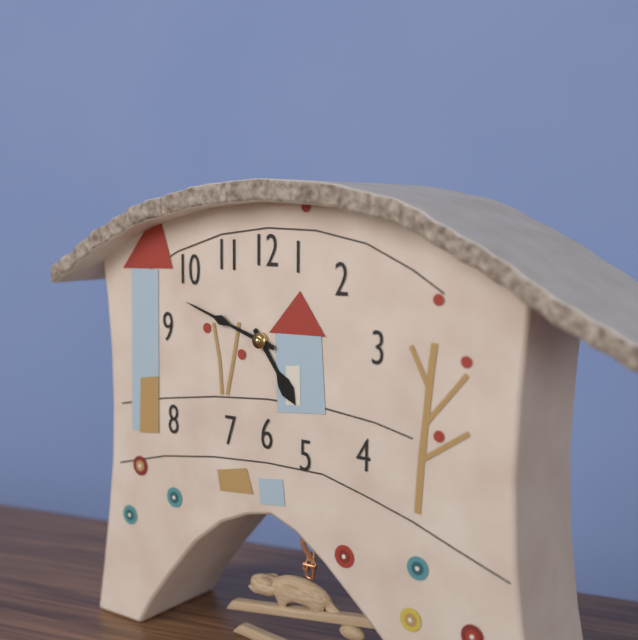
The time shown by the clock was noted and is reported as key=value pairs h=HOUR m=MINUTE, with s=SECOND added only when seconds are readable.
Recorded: h=4 m=48
